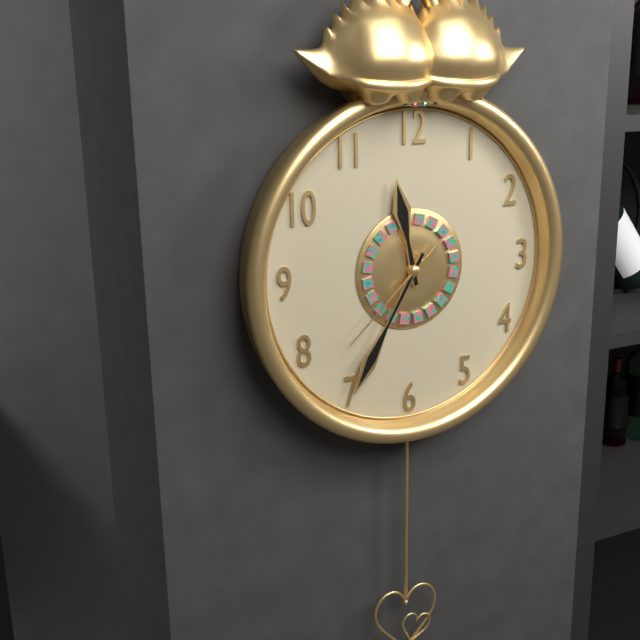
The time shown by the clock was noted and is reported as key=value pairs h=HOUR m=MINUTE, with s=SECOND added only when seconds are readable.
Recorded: h=11 m=35 s=38
